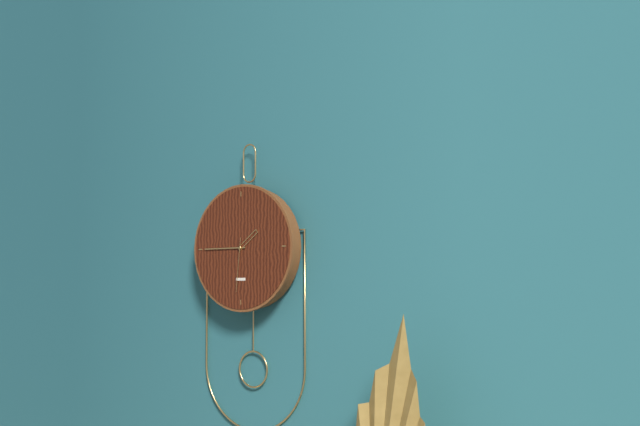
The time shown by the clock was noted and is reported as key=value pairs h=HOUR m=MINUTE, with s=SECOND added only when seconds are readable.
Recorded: h=1 m=45 s=31
